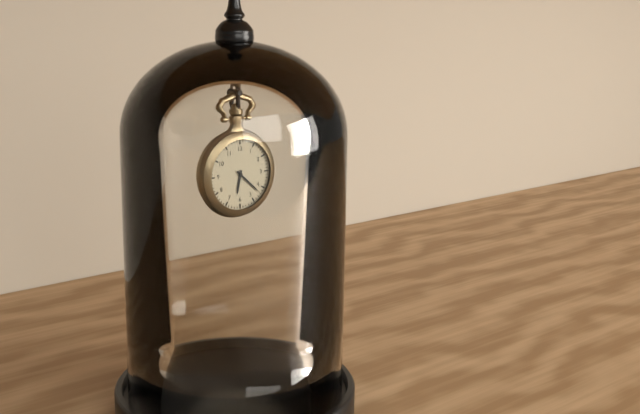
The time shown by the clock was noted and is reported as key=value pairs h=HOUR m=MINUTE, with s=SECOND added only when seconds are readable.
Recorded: h=6 m=22
